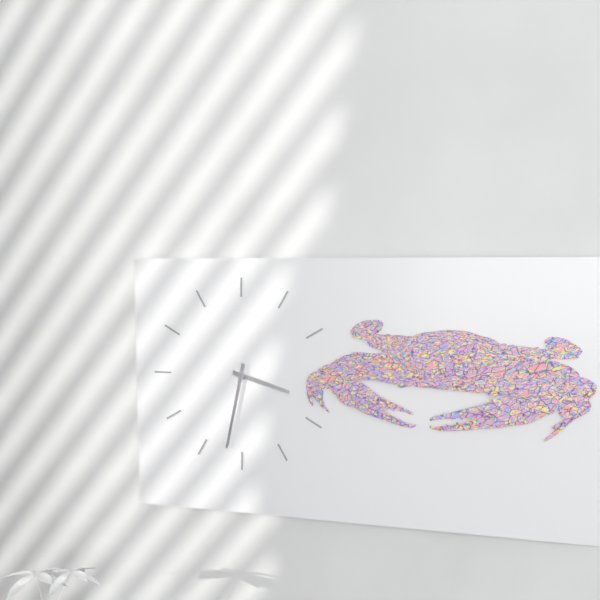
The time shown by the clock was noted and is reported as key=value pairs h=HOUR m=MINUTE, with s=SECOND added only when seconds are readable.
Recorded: h=3 m=32
